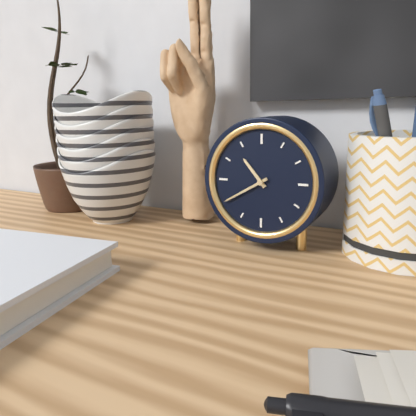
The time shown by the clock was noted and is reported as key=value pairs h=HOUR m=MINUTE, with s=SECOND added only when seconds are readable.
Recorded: h=10 m=40
